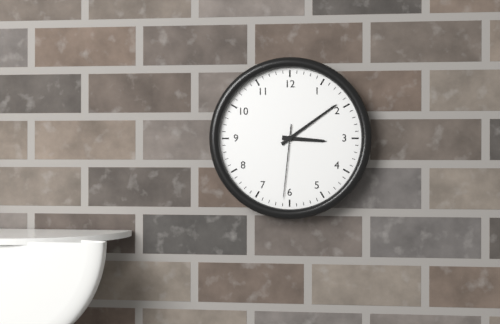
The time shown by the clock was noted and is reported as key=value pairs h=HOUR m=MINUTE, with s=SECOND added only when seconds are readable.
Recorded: h=3 m=9 s=31
